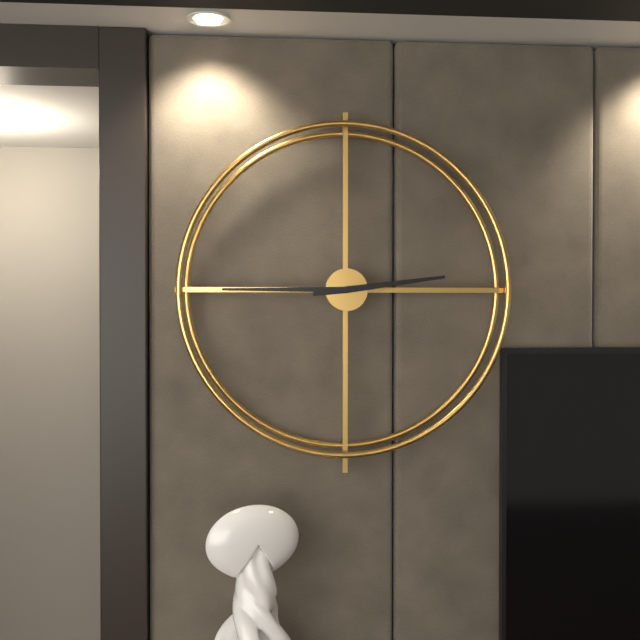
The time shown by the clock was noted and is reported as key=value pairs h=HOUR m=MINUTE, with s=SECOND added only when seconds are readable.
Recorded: h=2 m=45
